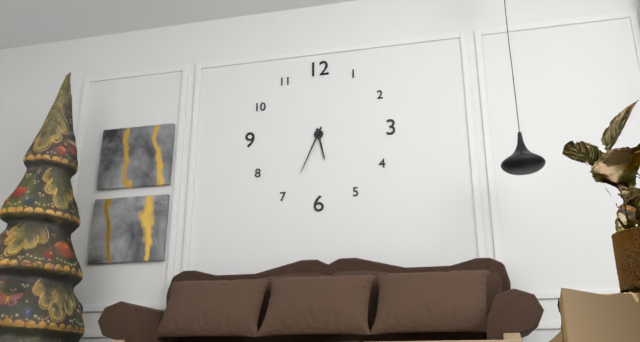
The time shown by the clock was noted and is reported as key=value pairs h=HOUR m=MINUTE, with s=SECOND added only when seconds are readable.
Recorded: h=5 m=34
